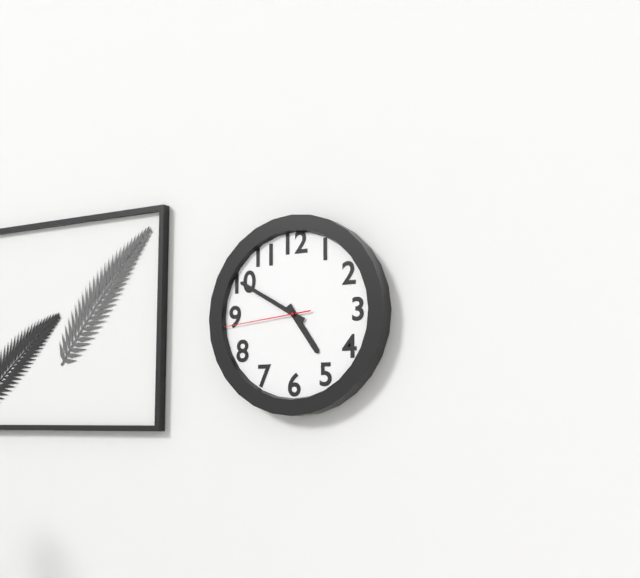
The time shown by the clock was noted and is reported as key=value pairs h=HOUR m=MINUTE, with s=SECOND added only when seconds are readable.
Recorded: h=4 m=50 s=44
